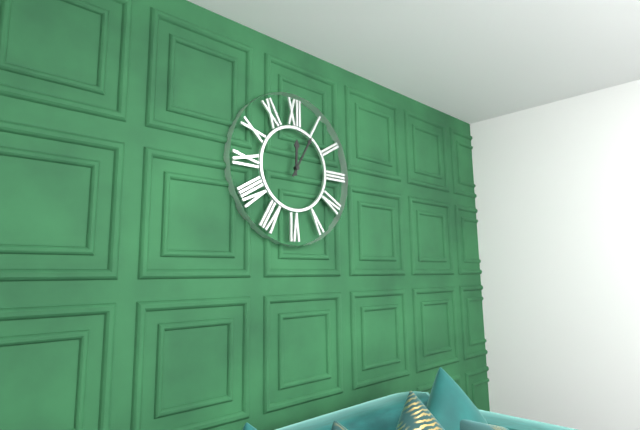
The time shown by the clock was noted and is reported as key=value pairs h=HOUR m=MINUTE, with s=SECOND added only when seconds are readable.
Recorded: h=12 m=5
